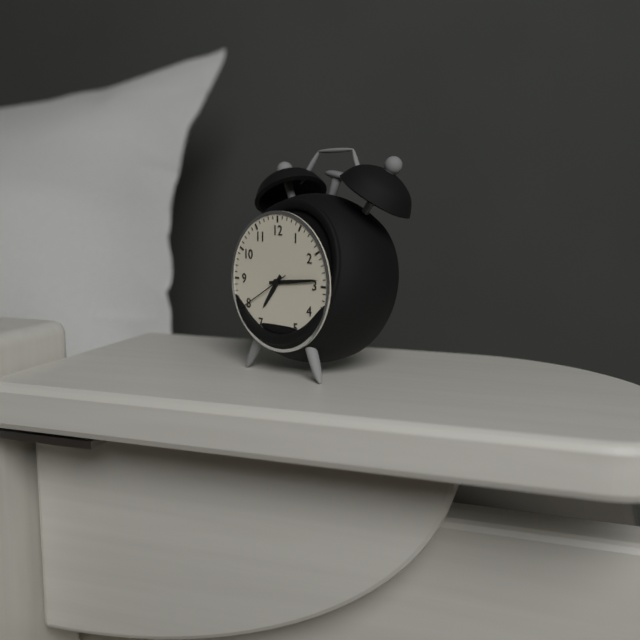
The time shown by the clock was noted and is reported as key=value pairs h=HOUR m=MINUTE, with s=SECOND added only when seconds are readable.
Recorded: h=7 m=14 s=40
